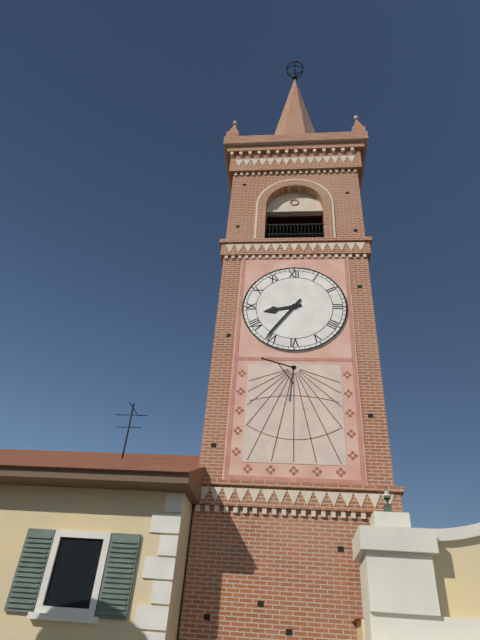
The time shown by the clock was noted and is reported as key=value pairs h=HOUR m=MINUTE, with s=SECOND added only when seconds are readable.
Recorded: h=8 m=36
